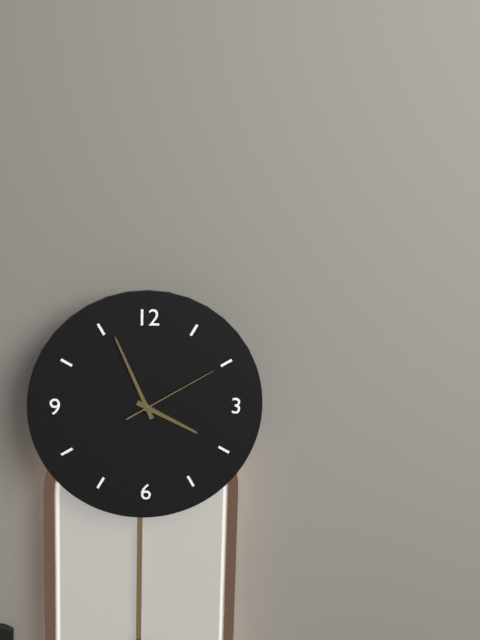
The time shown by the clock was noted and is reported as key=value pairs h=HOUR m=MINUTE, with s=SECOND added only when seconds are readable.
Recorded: h=3 m=56 s=10
